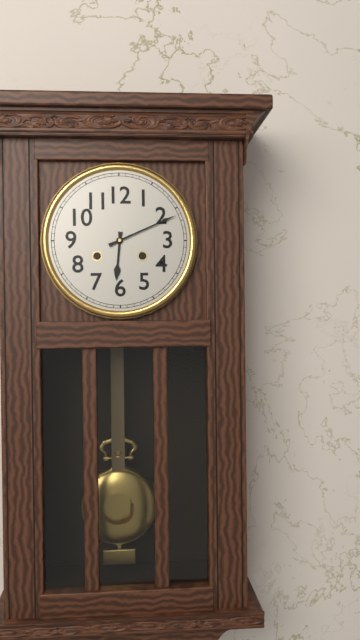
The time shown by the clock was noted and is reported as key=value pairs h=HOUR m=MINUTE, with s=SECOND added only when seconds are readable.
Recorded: h=6 m=11
